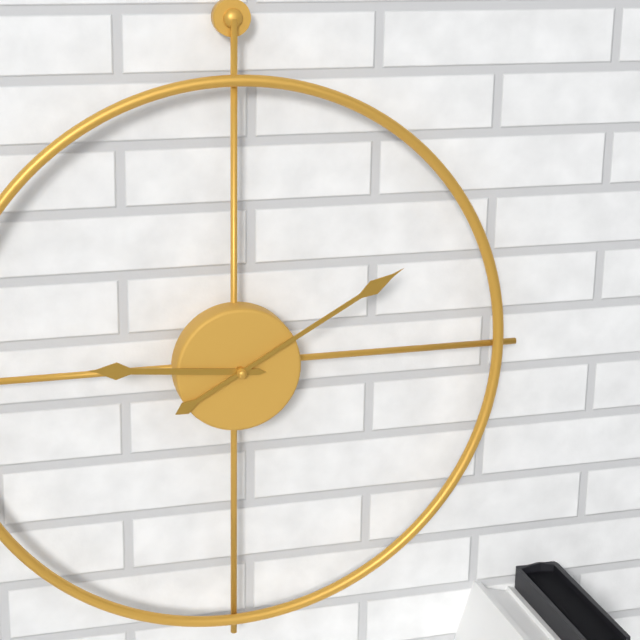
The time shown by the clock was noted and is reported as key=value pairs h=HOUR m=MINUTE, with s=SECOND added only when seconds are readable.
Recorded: h=9 m=10
